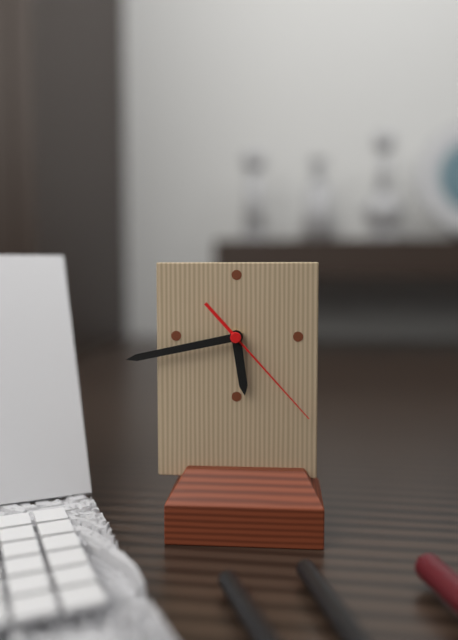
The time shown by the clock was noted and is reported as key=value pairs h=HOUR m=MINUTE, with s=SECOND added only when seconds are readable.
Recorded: h=5 m=43 s=23
